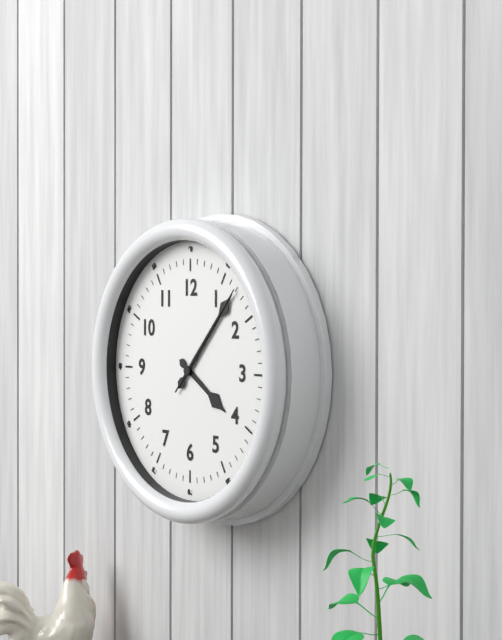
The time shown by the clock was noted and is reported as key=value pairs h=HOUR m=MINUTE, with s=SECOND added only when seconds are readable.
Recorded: h=4 m=7 s=7
